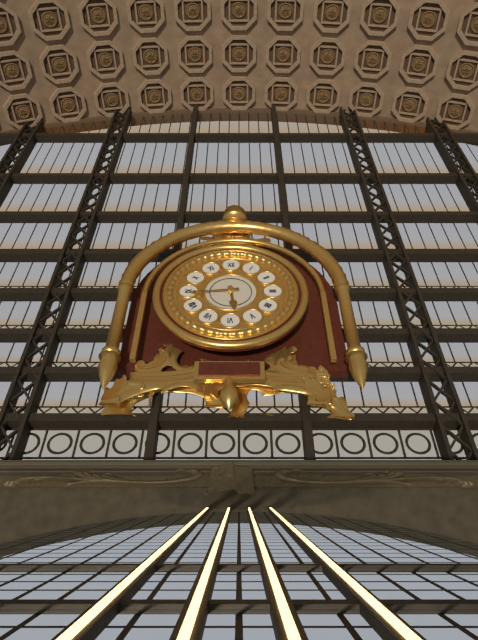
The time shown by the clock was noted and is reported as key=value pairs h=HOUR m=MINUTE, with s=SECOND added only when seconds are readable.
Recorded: h=5 m=44
